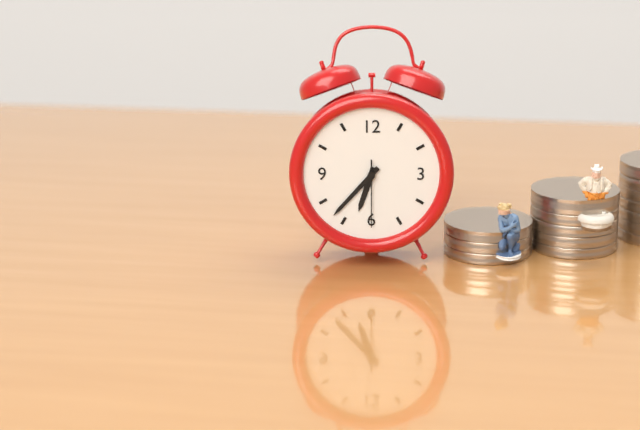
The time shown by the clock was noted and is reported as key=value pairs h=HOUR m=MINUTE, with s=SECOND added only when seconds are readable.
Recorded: h=6 m=37 s=30
